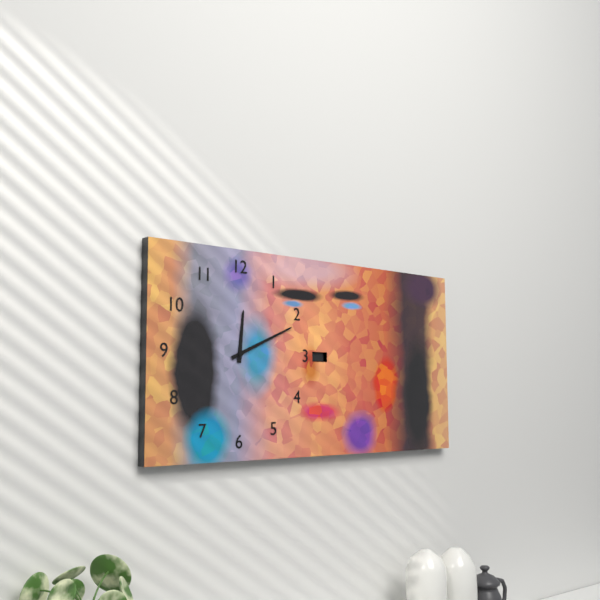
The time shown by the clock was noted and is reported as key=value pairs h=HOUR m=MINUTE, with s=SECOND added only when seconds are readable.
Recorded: h=12 m=11
